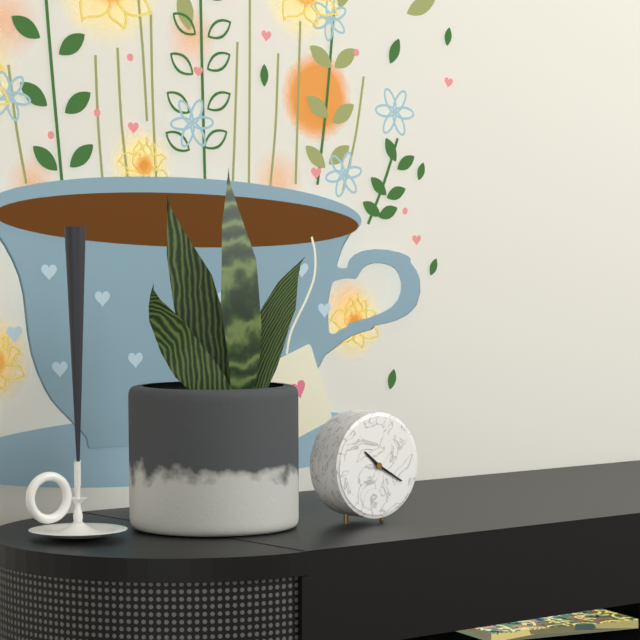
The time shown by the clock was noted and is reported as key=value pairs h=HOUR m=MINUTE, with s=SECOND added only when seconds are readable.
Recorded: h=10 m=20
